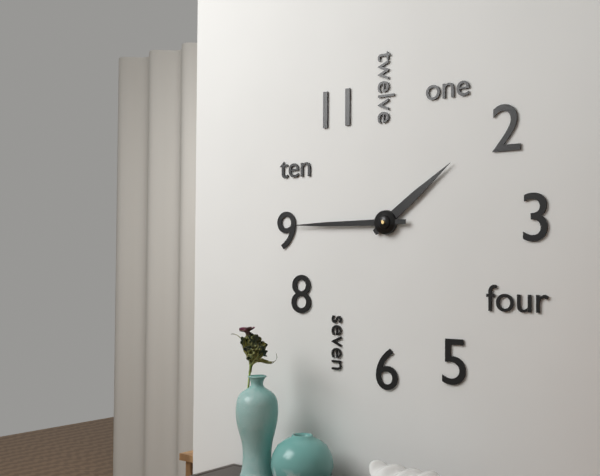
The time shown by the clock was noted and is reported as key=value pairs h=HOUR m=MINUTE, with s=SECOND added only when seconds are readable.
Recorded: h=1 m=45
